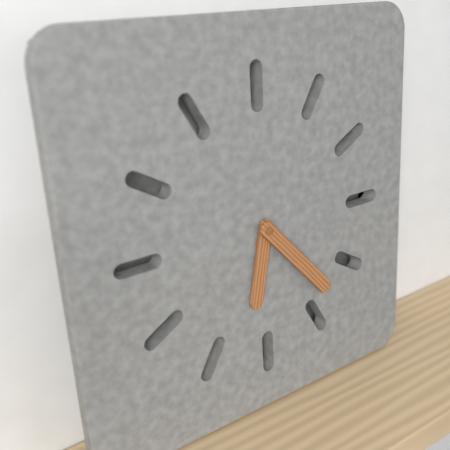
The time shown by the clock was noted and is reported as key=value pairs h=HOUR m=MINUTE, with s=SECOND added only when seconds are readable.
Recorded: h=6 m=23
